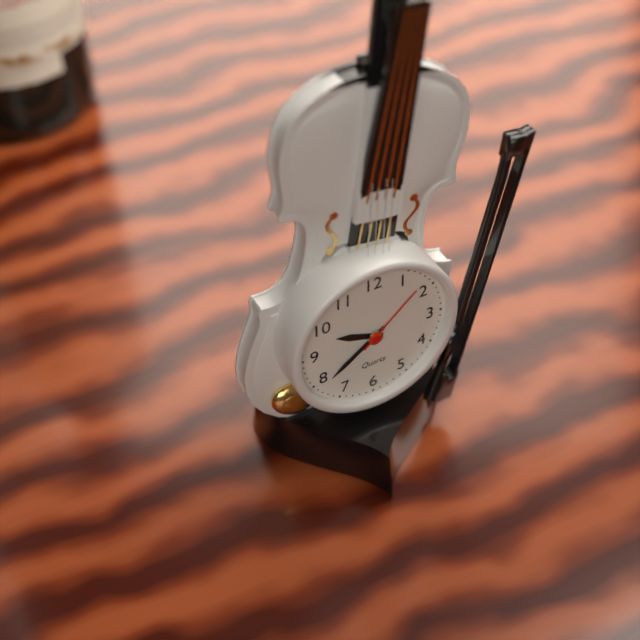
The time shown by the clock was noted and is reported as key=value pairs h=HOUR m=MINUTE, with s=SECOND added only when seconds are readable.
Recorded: h=9 m=39 s=8
